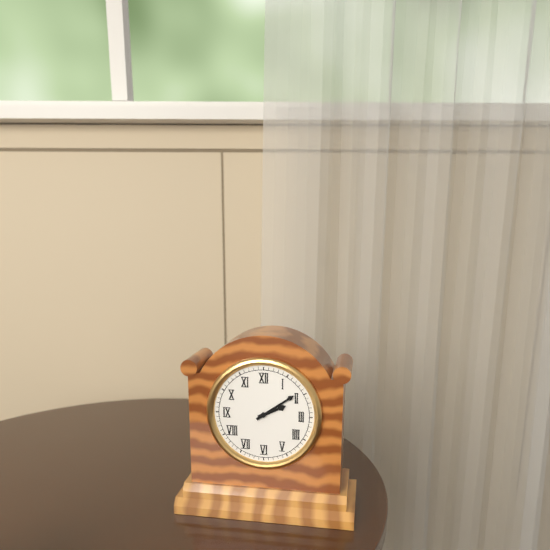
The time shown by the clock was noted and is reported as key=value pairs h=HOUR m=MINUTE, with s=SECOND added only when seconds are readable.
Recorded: h=2 m=9
